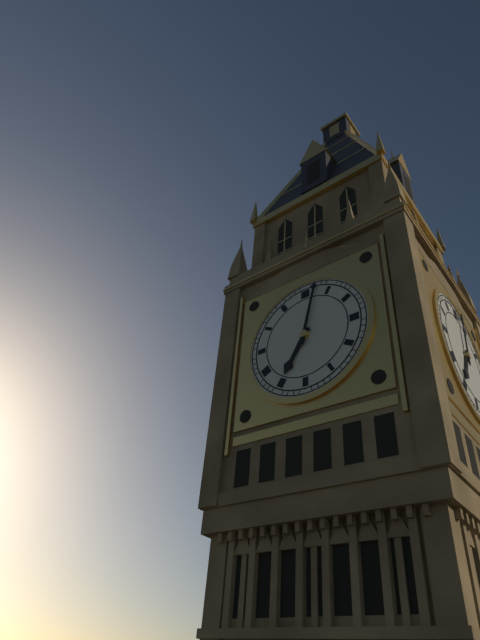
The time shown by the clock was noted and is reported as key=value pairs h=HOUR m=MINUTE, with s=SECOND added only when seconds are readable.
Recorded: h=7 m=2
